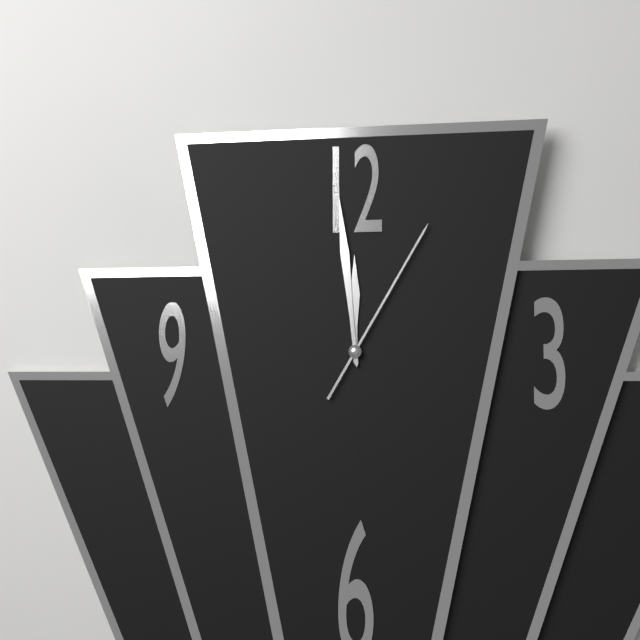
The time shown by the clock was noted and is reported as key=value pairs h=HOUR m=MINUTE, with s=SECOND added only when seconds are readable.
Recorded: h=11 m=59 s=5
